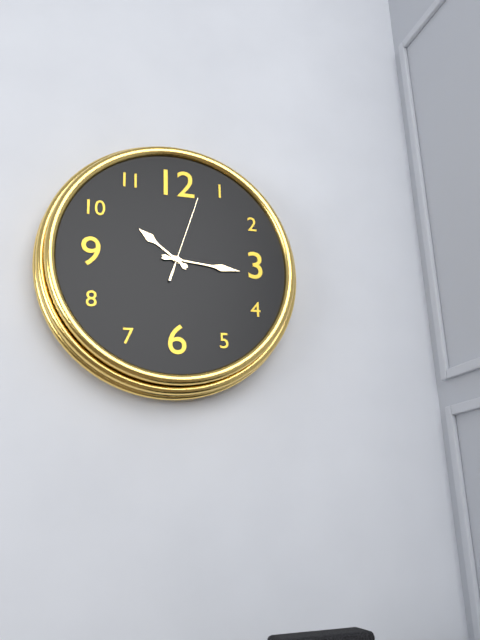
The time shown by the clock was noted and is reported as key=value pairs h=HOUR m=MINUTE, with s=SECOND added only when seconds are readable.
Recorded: h=10 m=16 s=3
